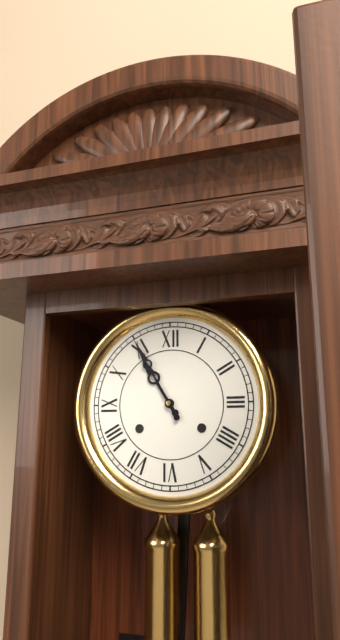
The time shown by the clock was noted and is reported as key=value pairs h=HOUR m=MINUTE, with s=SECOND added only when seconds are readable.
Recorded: h=10 m=55
